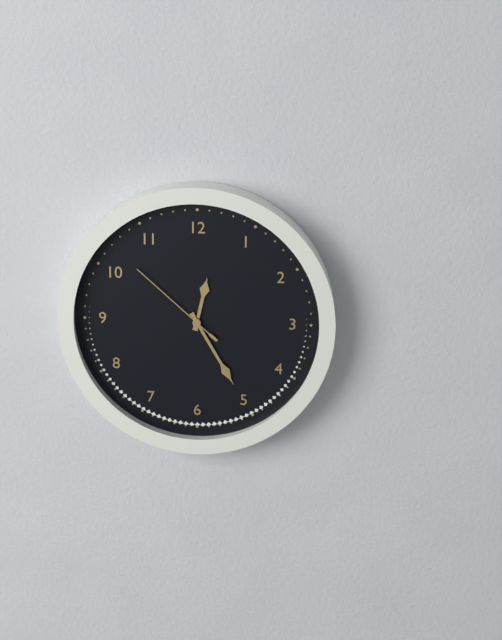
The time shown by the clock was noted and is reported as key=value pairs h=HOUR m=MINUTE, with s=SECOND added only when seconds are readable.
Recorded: h=12 m=25 s=52
